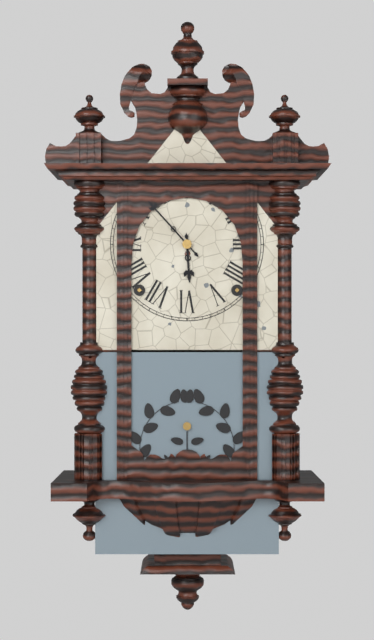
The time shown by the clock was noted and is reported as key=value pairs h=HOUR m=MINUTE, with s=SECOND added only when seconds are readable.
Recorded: h=5 m=53
